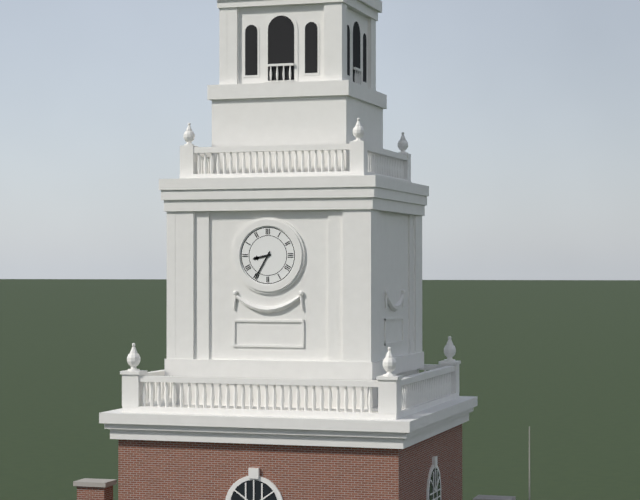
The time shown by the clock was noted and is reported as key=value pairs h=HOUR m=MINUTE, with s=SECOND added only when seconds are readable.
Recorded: h=8 m=35
